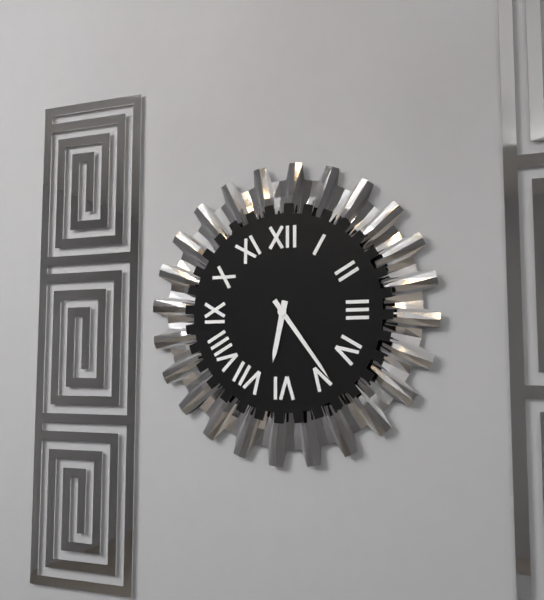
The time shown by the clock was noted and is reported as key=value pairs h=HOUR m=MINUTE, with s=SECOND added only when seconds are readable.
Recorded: h=6 m=24
